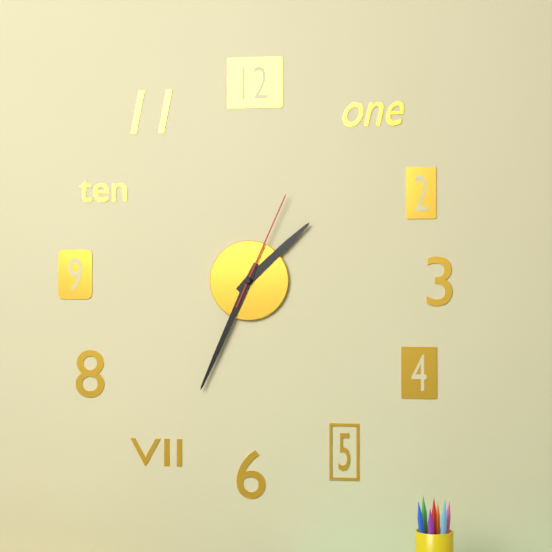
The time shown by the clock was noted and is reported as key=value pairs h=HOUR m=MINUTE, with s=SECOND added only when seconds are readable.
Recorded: h=1 m=34 s=4
